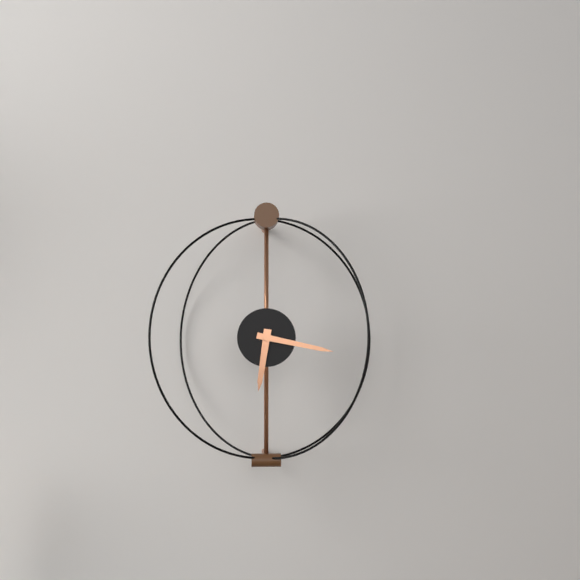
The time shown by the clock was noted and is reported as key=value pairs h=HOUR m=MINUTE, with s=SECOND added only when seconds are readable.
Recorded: h=6 m=17
